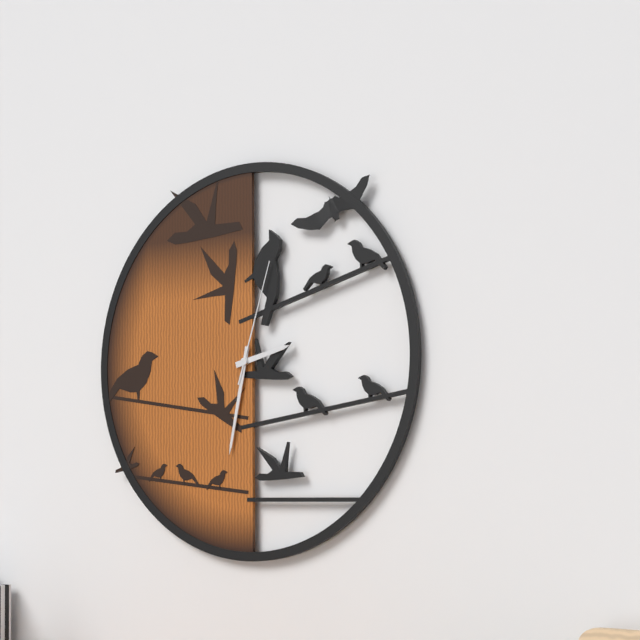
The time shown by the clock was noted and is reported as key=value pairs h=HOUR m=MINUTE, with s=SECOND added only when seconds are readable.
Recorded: h=2 m=32 s=3
